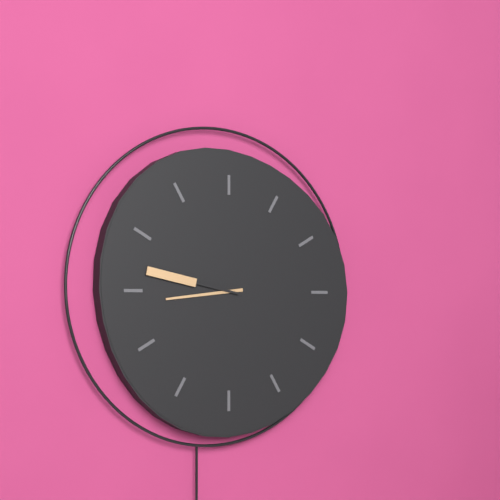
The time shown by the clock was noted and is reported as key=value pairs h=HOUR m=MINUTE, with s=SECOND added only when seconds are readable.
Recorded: h=8 m=47
